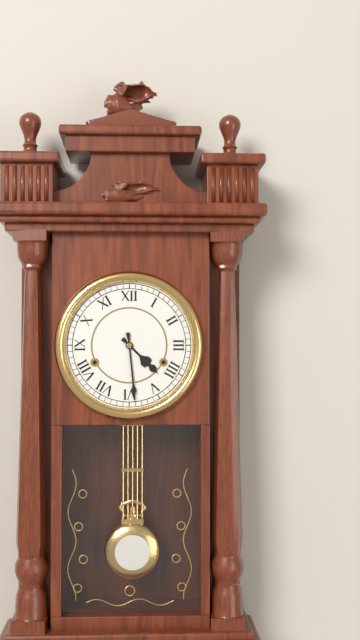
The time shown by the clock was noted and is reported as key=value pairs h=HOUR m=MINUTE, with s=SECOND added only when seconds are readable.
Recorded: h=4 m=29
